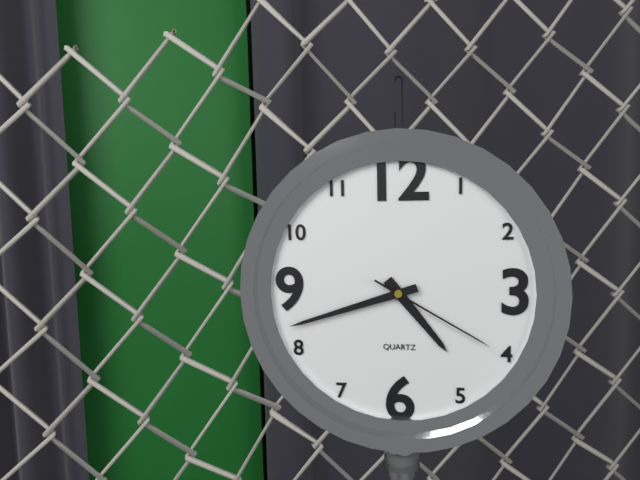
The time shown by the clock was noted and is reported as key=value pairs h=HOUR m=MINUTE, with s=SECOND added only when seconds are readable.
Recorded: h=4 m=42 s=20
